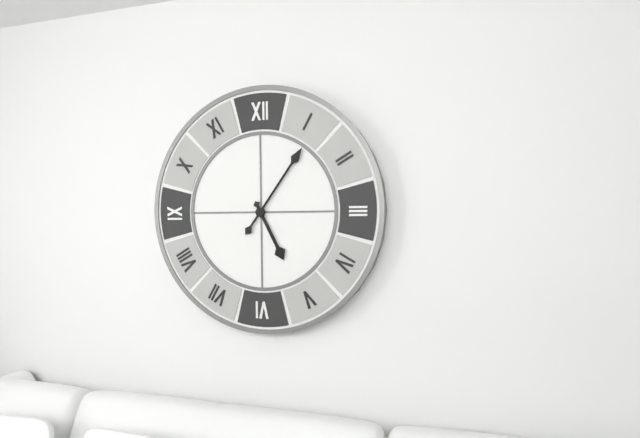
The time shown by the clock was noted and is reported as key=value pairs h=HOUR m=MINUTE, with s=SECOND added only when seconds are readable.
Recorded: h=5 m=6
